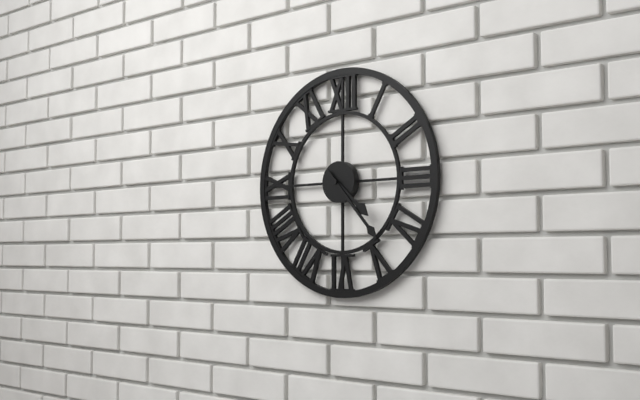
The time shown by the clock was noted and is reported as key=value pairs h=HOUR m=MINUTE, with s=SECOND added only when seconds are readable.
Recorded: h=4 m=23
